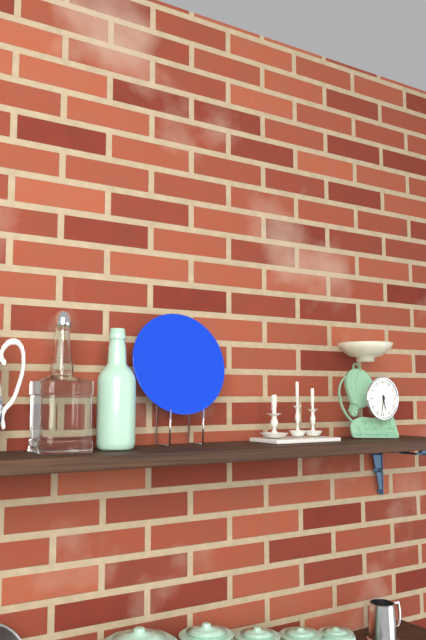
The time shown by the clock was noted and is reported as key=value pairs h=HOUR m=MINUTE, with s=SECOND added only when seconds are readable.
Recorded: h=5 m=32
